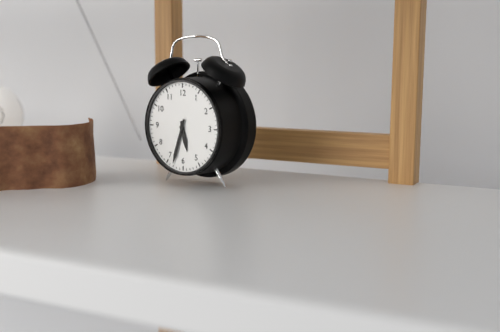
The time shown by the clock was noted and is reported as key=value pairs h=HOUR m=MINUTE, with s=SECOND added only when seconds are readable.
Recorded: h=5 m=33
